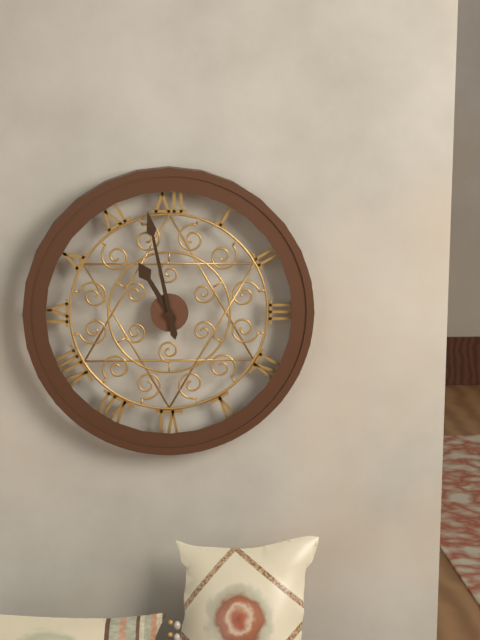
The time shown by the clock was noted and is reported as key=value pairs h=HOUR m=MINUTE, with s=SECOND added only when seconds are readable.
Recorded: h=10 m=58
